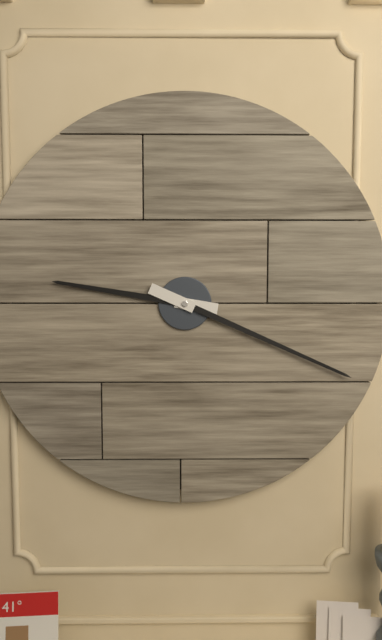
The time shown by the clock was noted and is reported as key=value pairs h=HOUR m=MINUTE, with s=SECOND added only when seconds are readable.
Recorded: h=9 m=19
